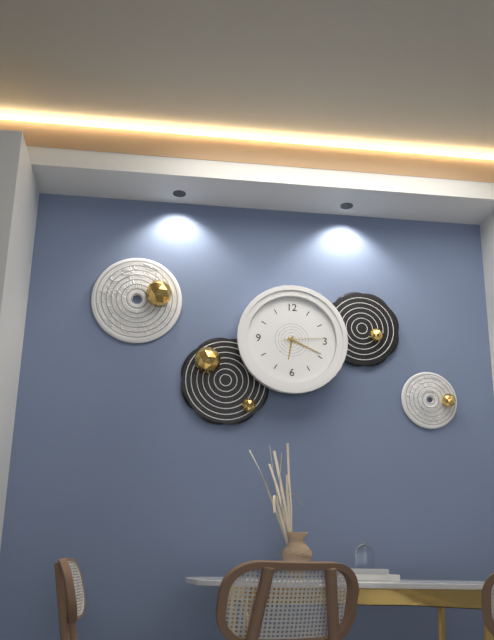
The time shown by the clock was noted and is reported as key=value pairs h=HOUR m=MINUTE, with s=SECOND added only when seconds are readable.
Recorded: h=6 m=19
